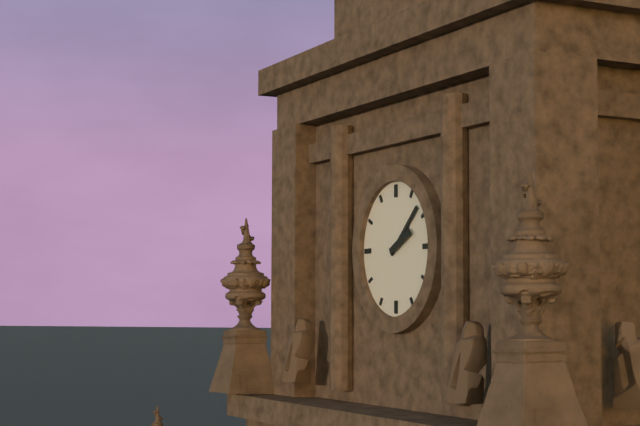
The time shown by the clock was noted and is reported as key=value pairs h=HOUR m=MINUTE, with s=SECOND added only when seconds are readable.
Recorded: h=2 m=8
